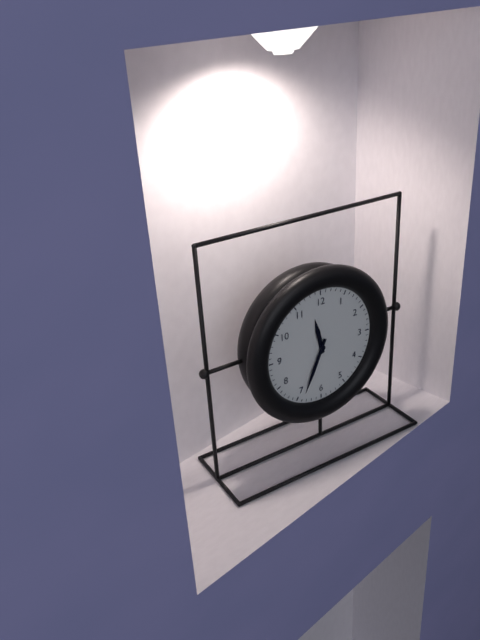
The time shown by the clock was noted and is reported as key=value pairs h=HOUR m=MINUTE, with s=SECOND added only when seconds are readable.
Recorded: h=11 m=34
